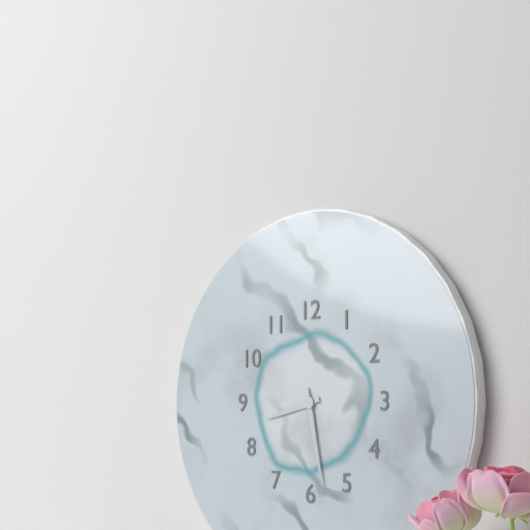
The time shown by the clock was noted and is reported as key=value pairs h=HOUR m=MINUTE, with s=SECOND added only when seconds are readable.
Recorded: h=8 m=28
